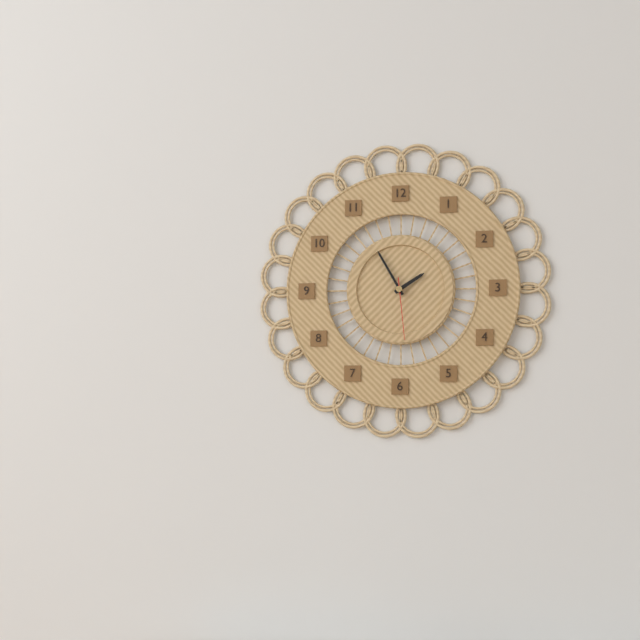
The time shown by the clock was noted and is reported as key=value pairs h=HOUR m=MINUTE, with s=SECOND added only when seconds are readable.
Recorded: h=1 m=55 s=29
